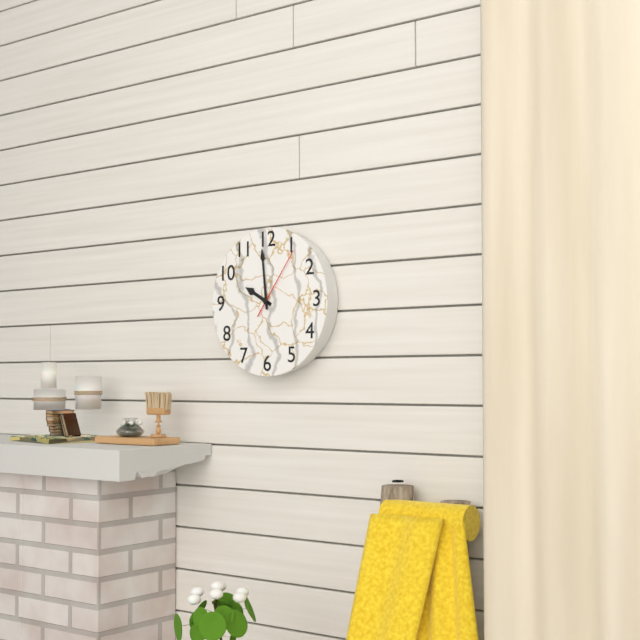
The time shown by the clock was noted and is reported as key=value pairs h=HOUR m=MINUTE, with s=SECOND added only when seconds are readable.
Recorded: h=9 m=59 s=6
